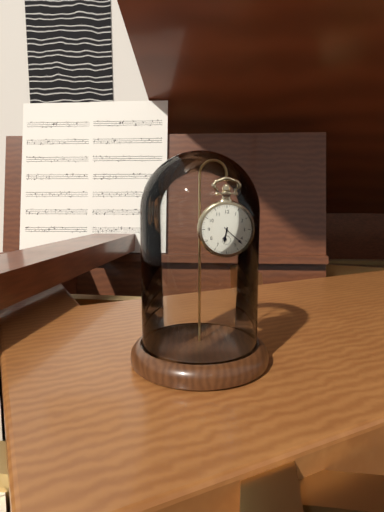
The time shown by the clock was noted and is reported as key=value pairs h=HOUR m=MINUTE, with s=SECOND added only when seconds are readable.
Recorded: h=6 m=22
